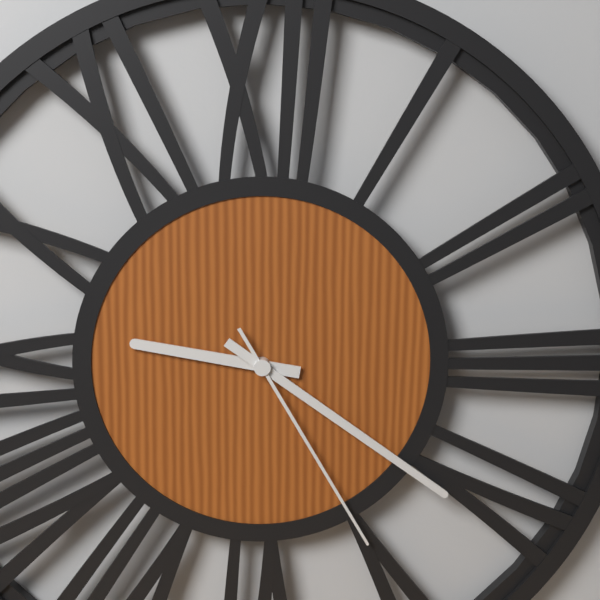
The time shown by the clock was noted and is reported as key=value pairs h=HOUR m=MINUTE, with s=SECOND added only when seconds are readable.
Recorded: h=9 m=21 s=25
